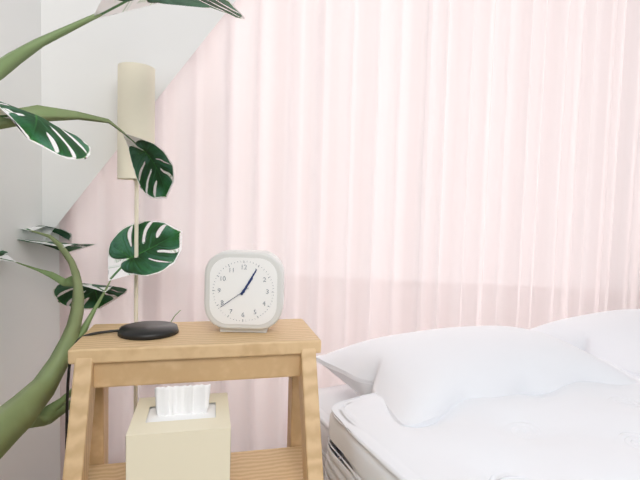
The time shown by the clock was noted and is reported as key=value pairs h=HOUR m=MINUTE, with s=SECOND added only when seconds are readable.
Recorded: h=1 m=5
